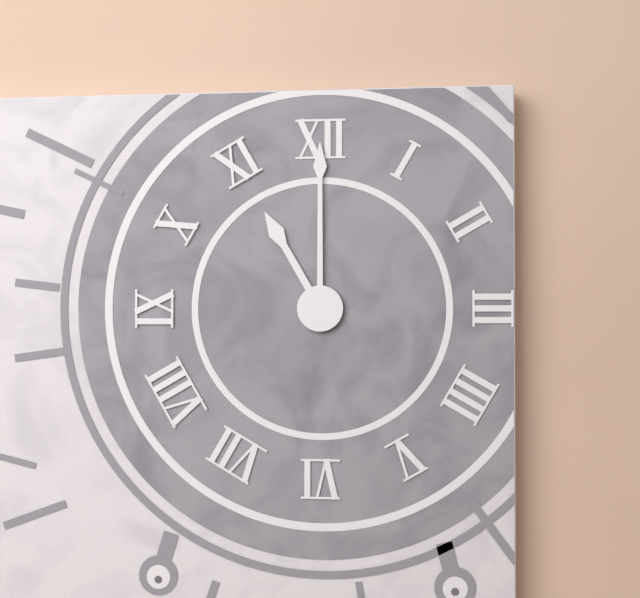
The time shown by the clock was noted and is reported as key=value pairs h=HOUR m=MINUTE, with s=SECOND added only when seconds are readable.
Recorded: h=11 m=0
